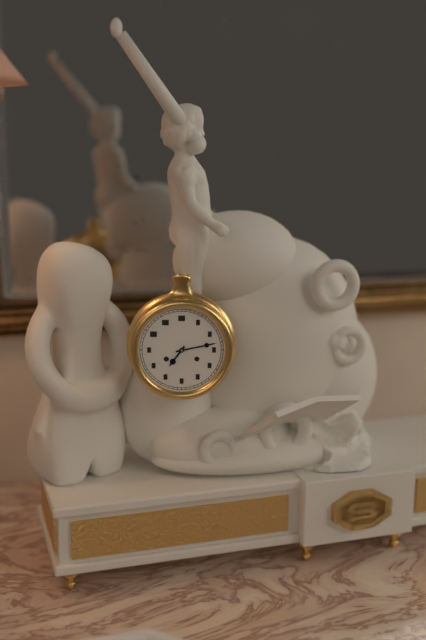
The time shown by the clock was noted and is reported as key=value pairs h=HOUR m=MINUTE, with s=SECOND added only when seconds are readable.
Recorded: h=7 m=13
